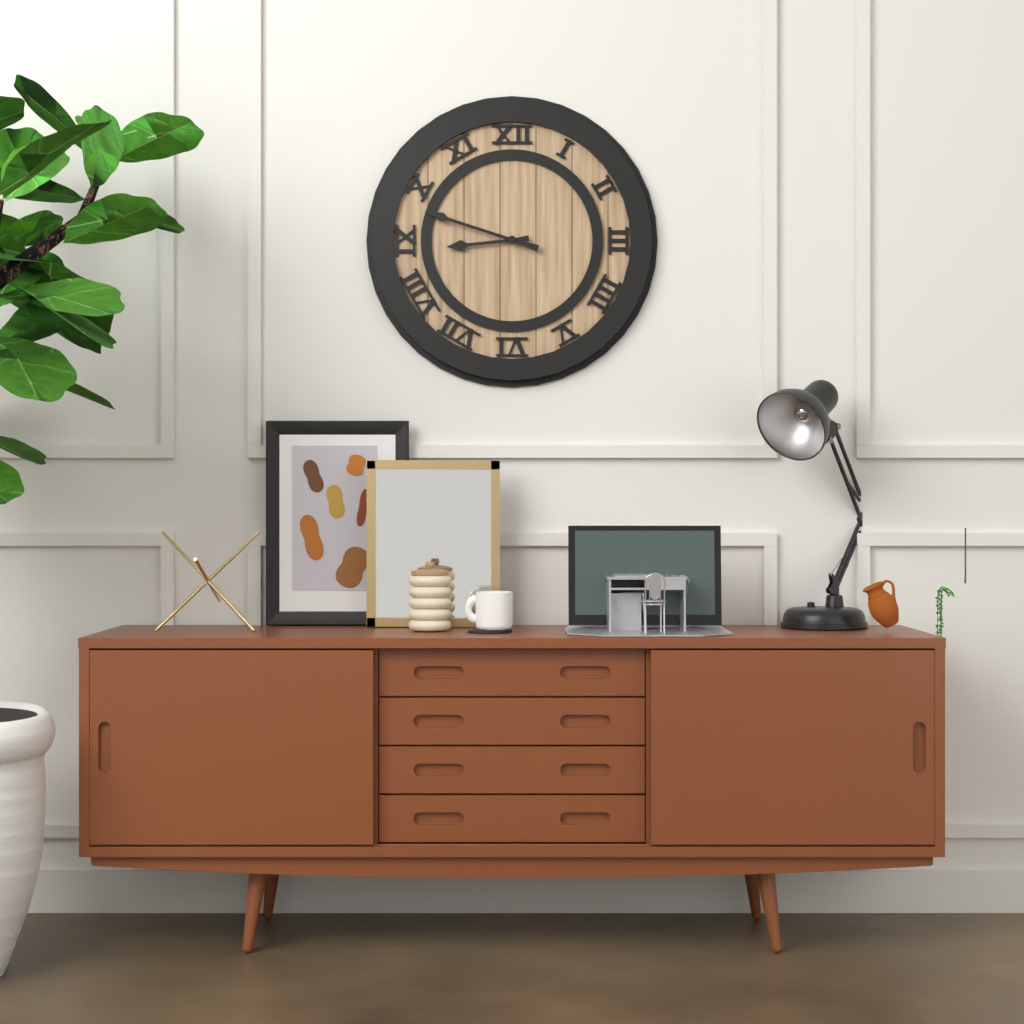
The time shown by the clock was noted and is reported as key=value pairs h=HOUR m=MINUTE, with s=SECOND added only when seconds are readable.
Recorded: h=8 m=48
